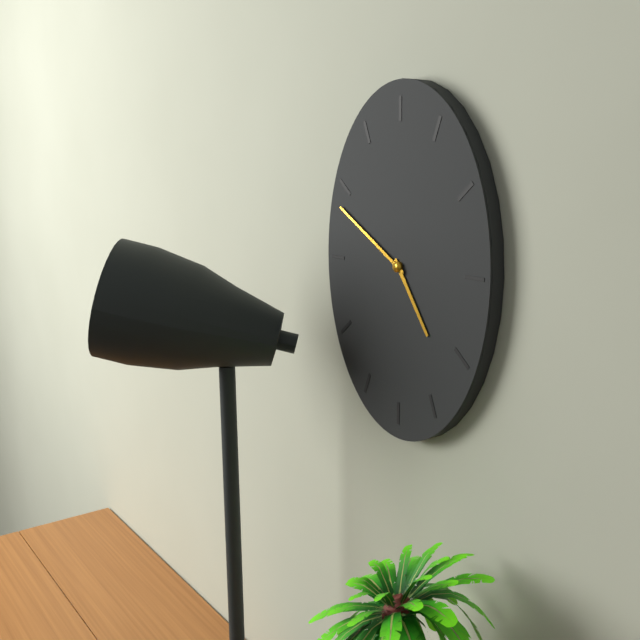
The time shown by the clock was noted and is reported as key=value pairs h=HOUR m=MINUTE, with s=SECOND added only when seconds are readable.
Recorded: h=4 m=50
